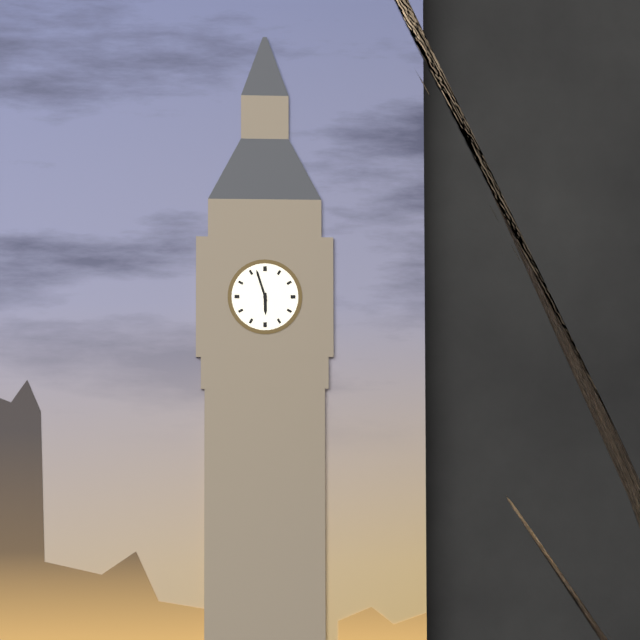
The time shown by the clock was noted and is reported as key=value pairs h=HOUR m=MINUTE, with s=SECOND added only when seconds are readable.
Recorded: h=5 m=57
